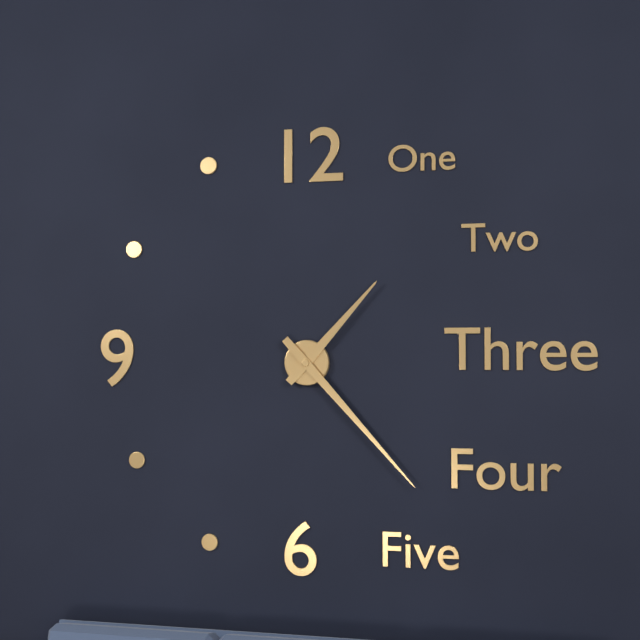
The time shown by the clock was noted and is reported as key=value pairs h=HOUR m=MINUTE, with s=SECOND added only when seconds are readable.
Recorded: h=1 m=23
